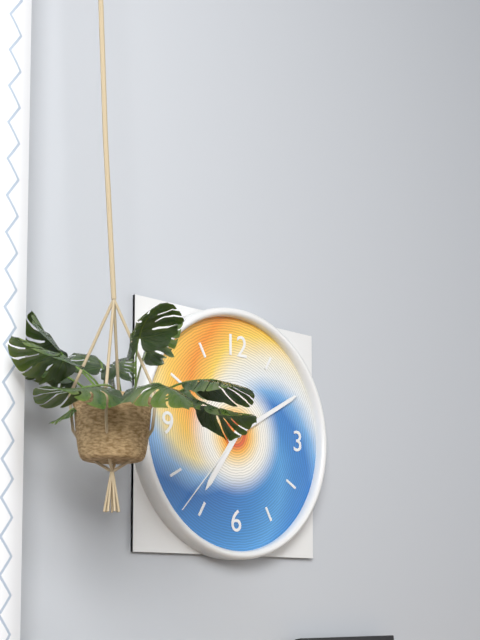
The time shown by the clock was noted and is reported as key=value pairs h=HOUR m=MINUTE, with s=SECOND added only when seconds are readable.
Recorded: h=7 m=10 s=37
